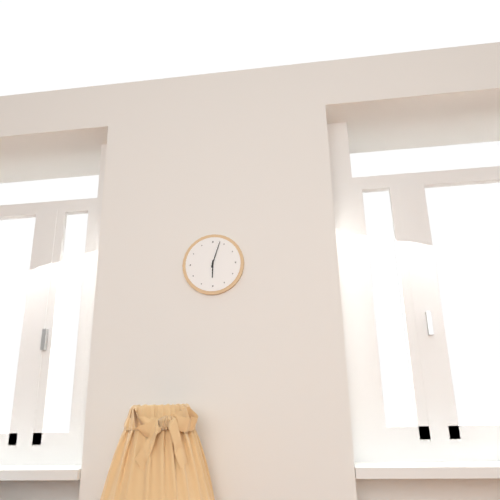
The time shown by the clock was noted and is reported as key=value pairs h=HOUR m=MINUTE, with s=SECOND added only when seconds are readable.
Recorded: h=6 m=3
